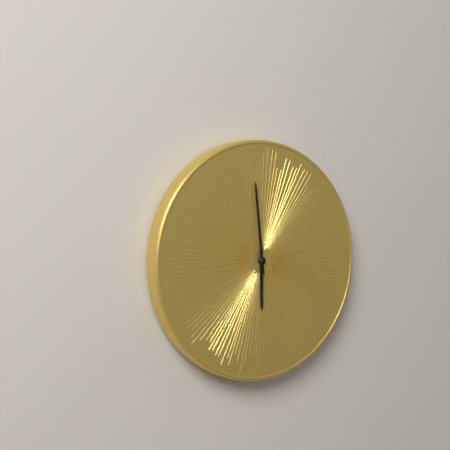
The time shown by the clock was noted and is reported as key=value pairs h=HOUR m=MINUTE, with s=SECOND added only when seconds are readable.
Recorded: h=5 m=59
